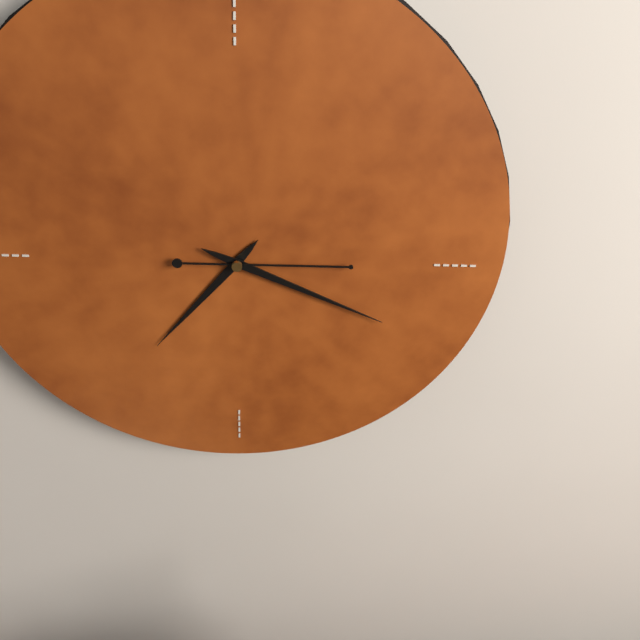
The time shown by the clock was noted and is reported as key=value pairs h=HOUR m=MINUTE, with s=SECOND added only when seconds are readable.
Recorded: h=7 m=19 s=15
